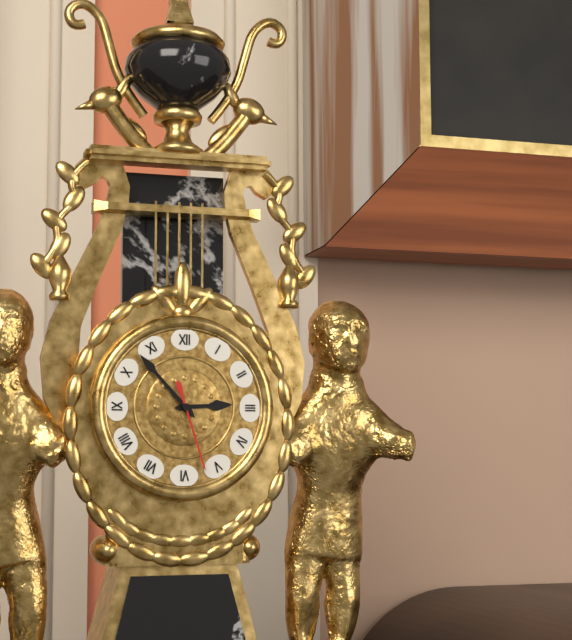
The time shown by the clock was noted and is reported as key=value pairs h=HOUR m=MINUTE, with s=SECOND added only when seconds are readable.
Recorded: h=2 m=53 s=27
